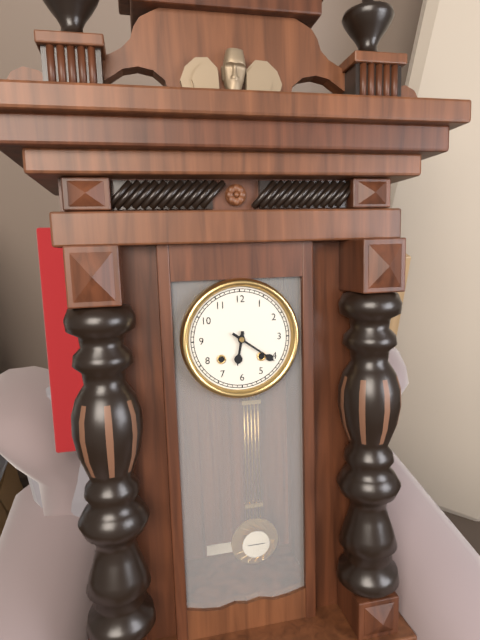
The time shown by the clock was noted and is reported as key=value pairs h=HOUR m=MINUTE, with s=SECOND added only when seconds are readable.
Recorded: h=6 m=21
